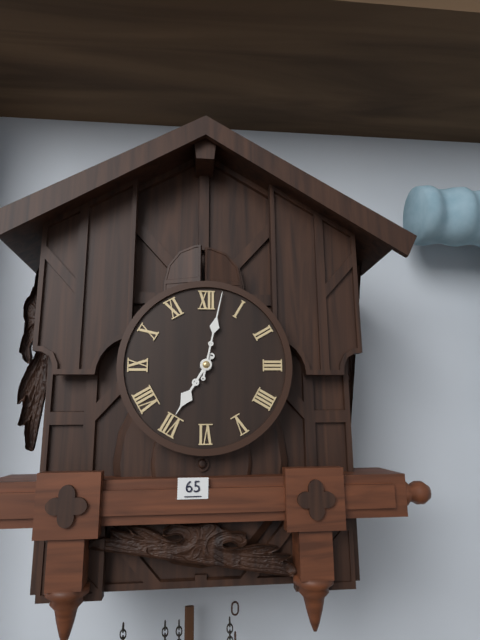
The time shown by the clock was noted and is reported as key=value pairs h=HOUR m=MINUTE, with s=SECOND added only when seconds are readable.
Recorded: h=7 m=2
